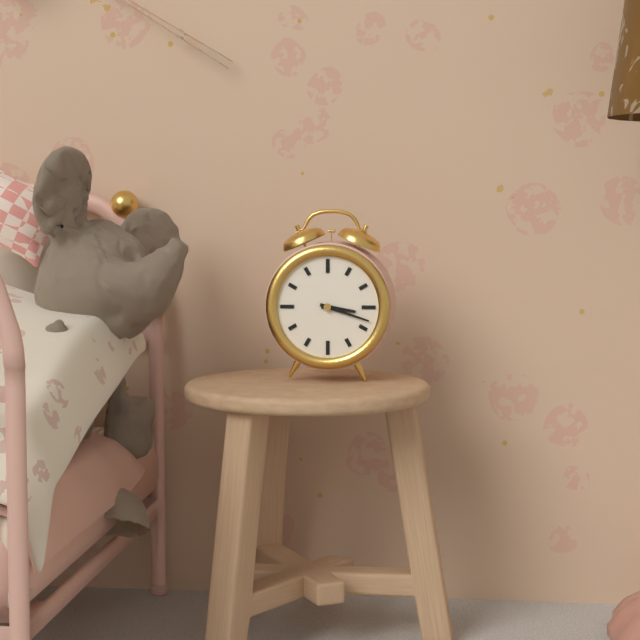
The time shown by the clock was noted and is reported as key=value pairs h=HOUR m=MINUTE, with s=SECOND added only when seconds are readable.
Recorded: h=3 m=18
